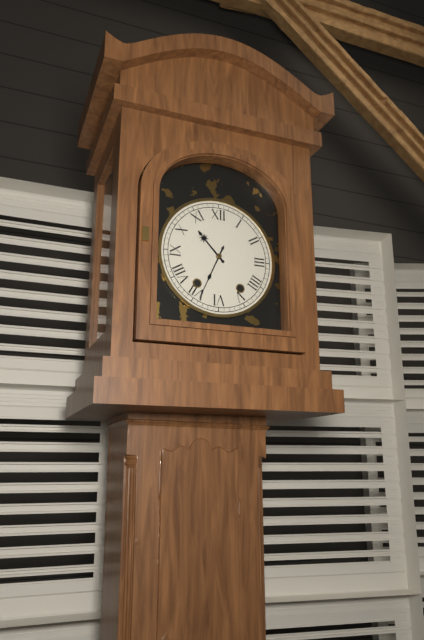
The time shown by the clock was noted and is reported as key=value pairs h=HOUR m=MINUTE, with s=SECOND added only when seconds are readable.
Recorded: h=10 m=34
